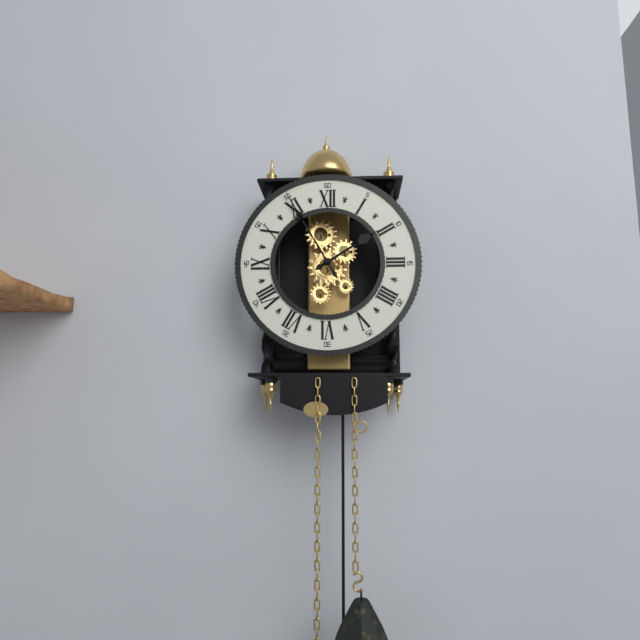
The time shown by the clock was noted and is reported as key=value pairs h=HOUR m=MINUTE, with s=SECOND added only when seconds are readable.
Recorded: h=1 m=55
